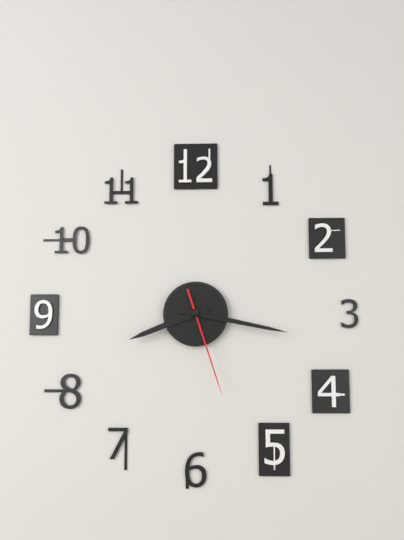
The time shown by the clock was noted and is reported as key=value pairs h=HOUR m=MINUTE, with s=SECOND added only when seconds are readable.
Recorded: h=8 m=17 s=27
